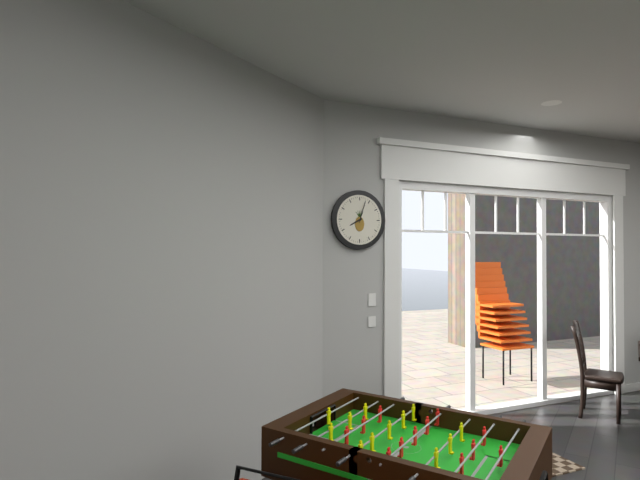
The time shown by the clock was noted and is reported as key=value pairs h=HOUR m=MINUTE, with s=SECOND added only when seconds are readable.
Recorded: h=8 m=3
